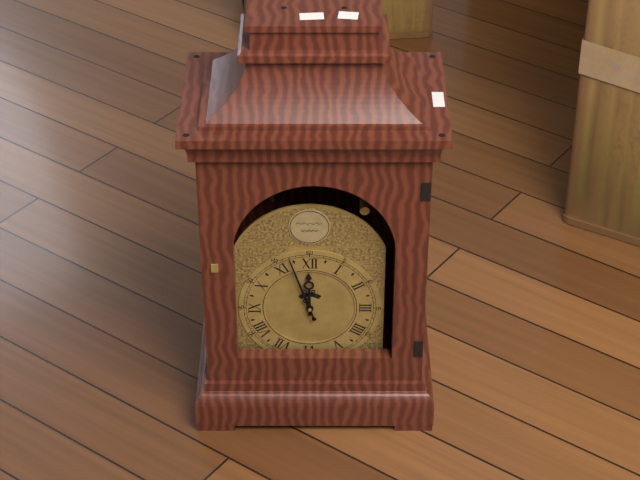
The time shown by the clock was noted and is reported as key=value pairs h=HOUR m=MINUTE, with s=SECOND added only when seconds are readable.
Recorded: h=11 m=57
